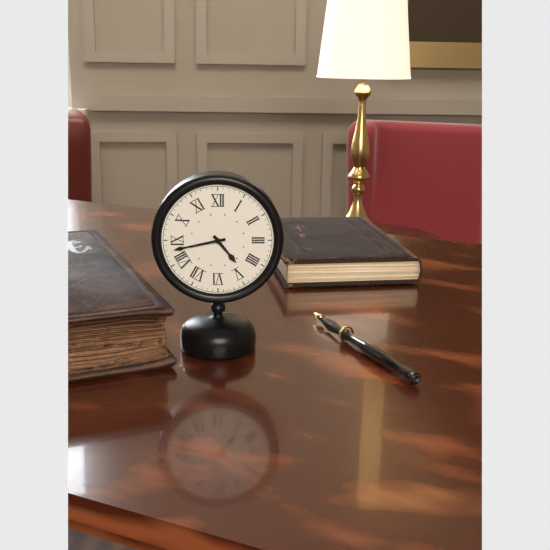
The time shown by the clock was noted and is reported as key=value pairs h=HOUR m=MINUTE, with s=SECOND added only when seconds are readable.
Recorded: h=4 m=43
